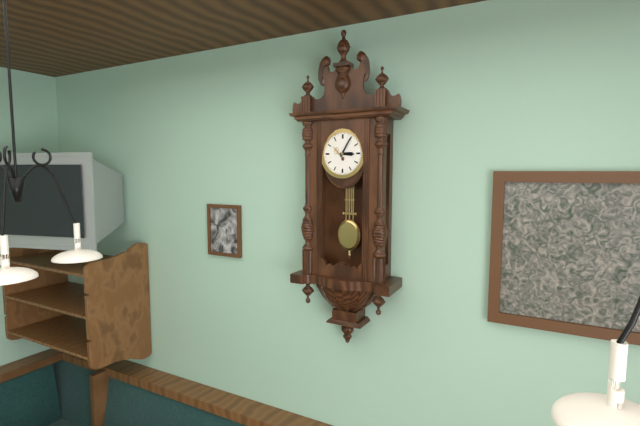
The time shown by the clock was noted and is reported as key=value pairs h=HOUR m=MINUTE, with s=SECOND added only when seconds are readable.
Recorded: h=3 m=5
